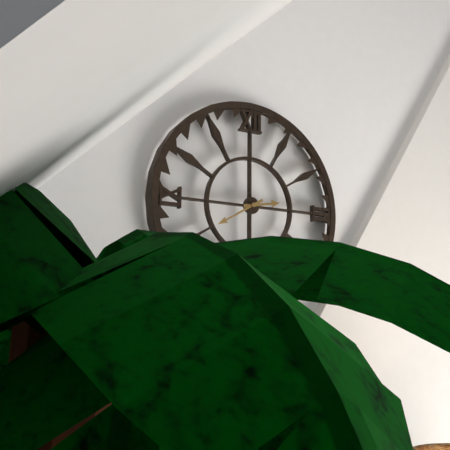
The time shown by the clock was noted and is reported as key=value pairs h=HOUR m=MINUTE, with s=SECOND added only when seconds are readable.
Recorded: h=2 m=40
